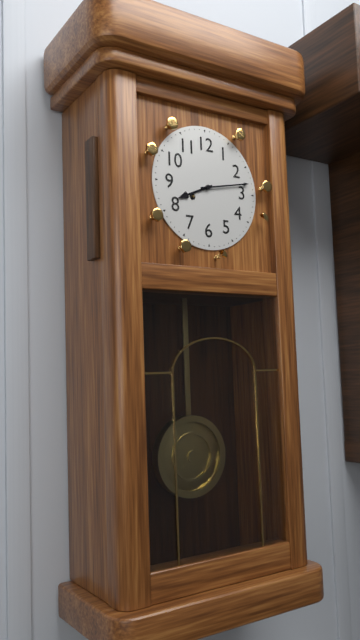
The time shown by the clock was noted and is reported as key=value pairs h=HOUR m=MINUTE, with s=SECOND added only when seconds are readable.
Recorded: h=8 m=13
